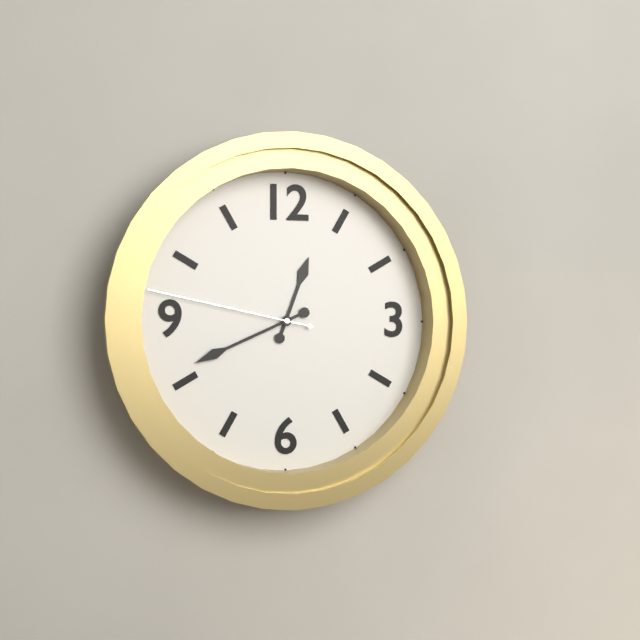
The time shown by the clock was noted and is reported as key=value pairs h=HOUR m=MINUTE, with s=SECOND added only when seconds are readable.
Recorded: h=12 m=41 s=47
